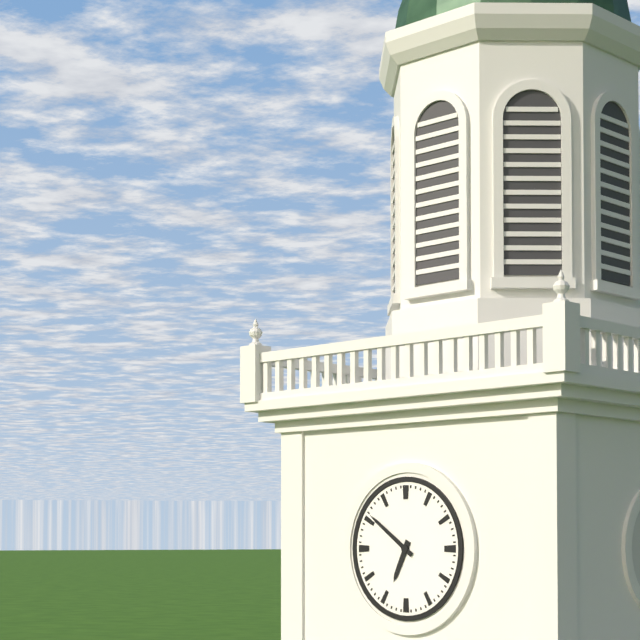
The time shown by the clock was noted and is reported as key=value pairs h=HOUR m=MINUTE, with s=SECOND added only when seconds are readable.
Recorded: h=6 m=51
